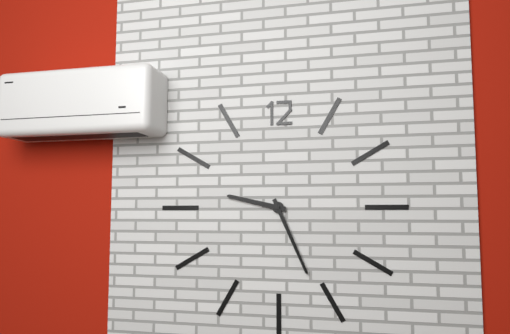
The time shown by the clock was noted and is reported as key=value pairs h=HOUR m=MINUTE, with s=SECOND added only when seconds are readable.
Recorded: h=9 m=26
